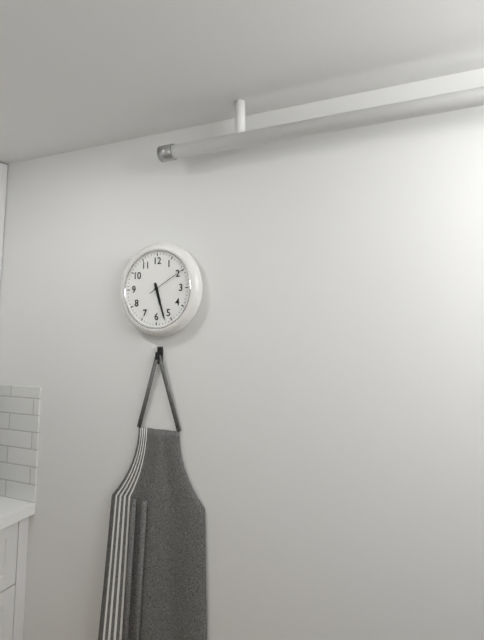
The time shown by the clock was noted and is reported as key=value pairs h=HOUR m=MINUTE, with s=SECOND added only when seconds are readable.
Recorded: h=5 m=27
